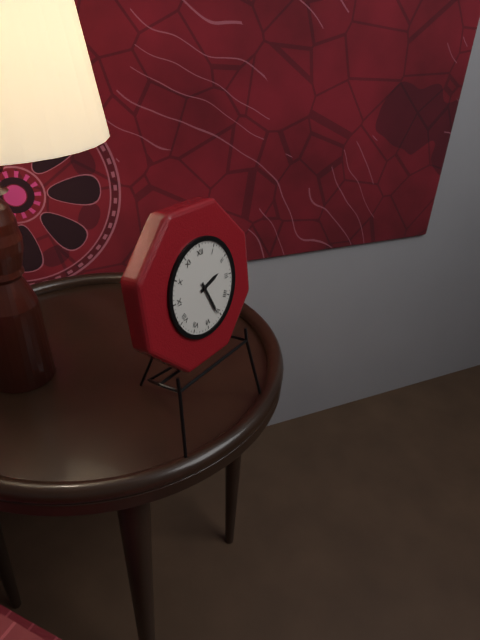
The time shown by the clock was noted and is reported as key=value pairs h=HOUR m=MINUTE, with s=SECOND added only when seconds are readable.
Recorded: h=2 m=26
